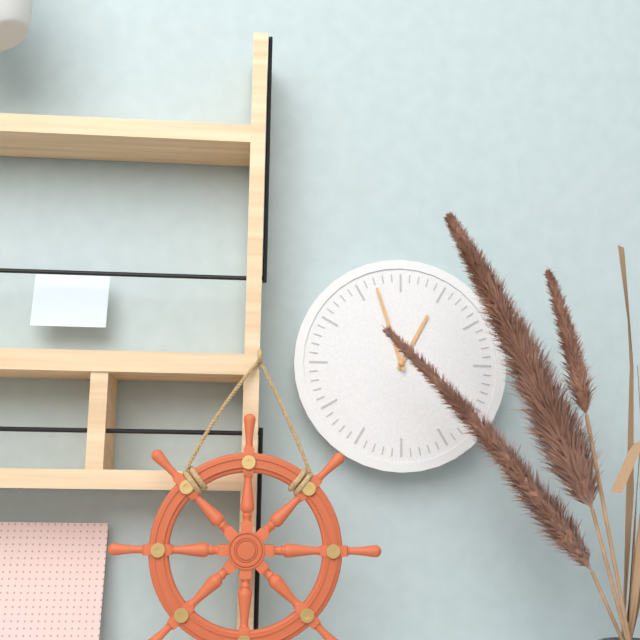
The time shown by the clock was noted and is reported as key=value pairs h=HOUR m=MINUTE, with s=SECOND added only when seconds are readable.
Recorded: h=12 m=57
